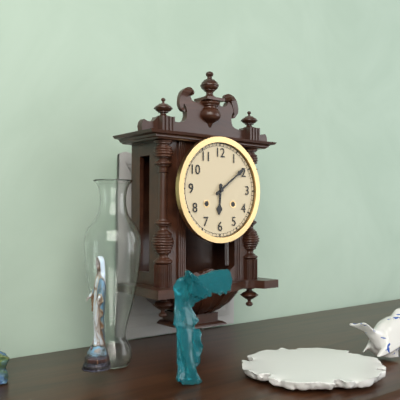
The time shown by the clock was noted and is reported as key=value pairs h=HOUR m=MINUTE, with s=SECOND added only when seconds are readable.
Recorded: h=6 m=9
